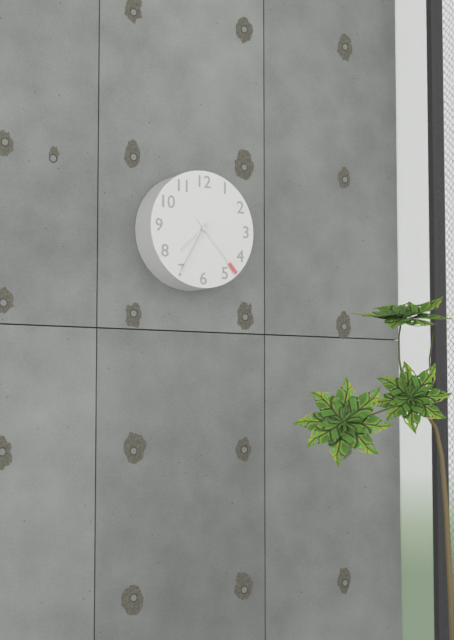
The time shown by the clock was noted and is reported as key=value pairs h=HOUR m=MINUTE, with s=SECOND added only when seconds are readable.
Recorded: h=7 m=35 s=23
